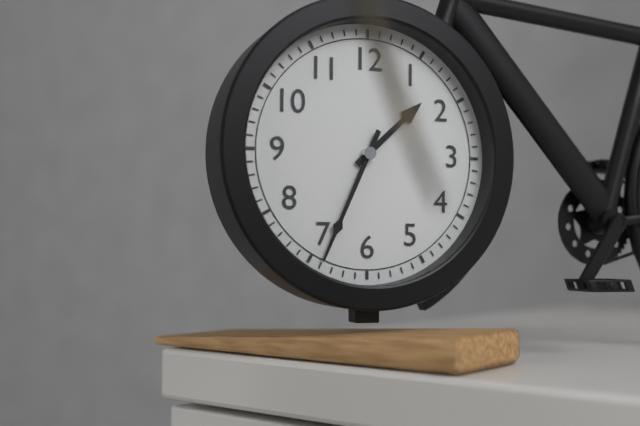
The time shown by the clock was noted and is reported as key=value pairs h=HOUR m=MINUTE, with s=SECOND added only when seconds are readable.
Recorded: h=1 m=34
